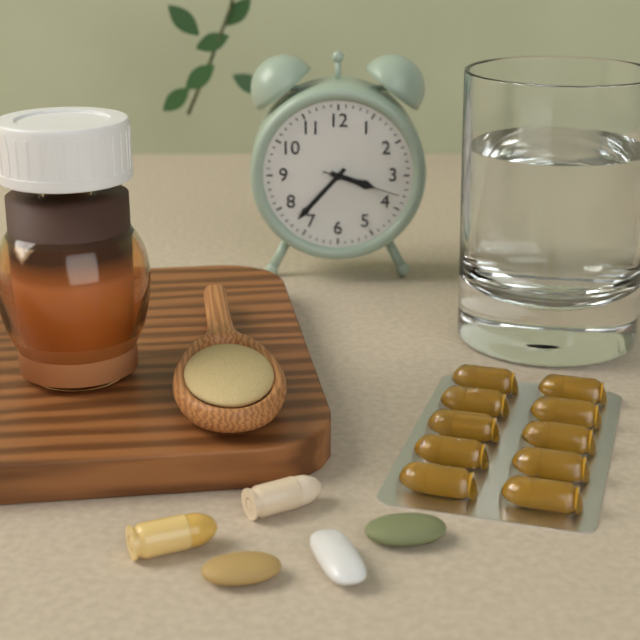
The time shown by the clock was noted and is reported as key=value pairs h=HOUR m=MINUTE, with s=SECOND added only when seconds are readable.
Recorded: h=3 m=37 s=18
